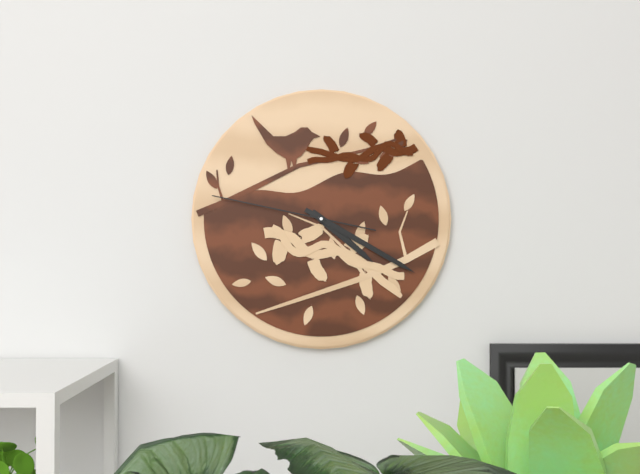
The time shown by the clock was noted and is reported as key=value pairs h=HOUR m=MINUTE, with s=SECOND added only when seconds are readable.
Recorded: h=4 m=20 s=47
